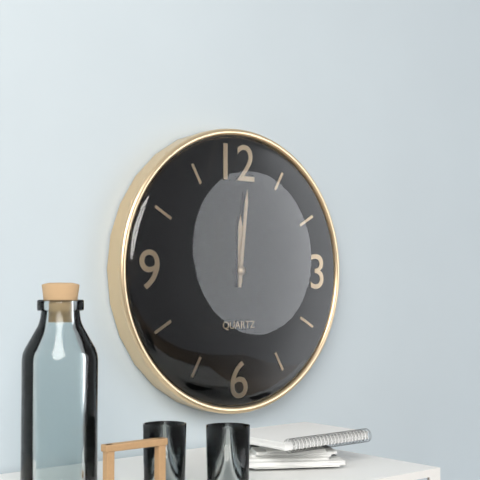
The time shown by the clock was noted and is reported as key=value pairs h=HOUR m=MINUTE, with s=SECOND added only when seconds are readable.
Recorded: h=12 m=1
